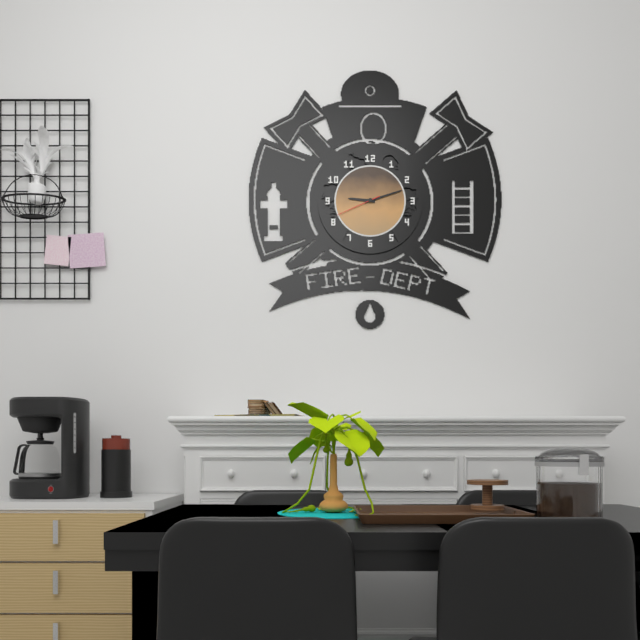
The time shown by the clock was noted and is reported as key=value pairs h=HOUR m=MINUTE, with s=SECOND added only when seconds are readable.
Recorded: h=9 m=12
